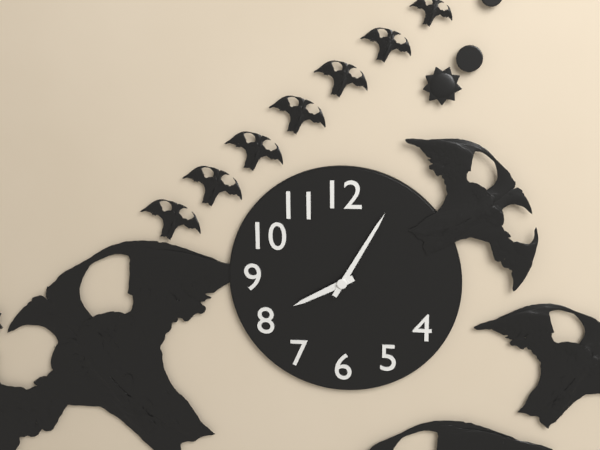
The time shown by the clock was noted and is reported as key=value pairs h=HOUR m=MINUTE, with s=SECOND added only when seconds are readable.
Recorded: h=8 m=5
